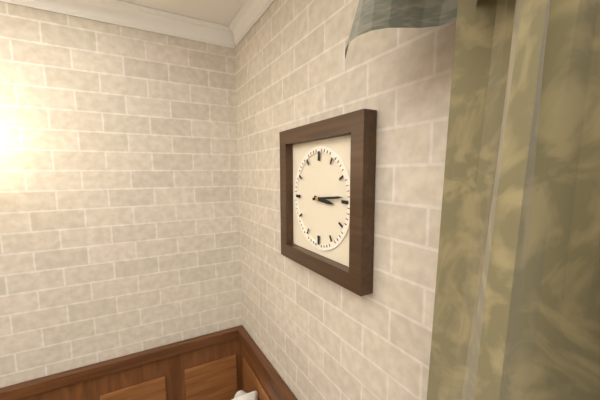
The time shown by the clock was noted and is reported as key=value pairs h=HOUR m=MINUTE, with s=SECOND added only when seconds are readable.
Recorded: h=3 m=14
